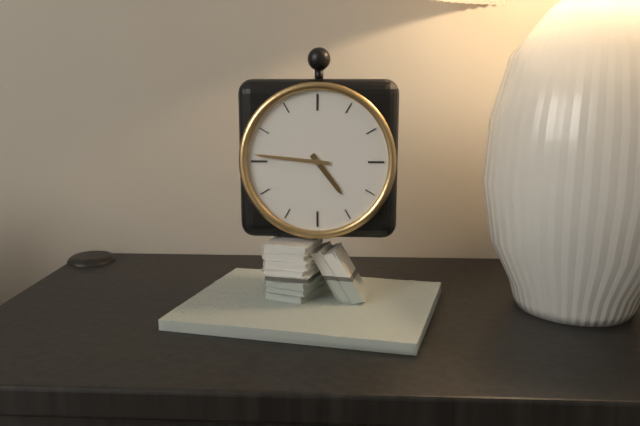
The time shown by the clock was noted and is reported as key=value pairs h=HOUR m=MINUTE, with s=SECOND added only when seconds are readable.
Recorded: h=4 m=46
